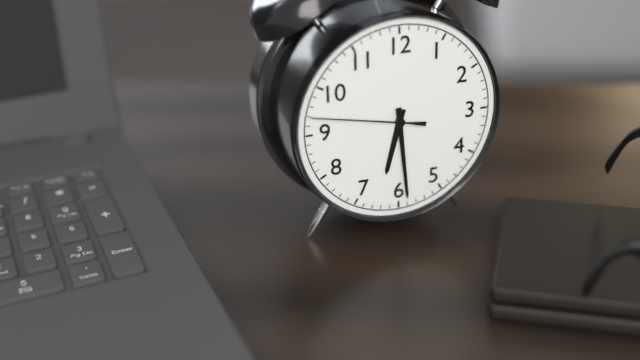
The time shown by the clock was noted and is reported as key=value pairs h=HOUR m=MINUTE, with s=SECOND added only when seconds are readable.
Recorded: h=6 m=29 s=47
